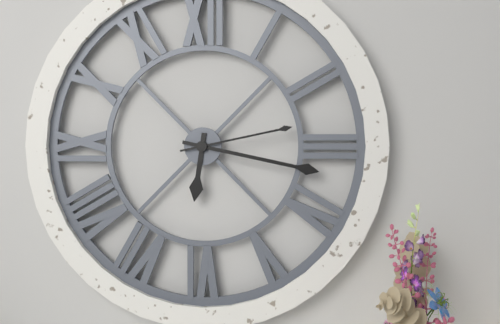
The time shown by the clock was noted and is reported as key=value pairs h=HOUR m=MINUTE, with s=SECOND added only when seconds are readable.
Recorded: h=6 m=17 s=13
